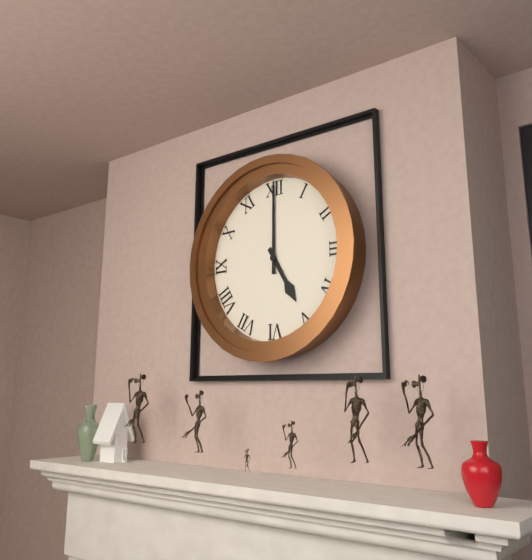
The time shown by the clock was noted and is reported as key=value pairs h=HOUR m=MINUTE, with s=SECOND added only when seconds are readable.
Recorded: h=5 m=0
